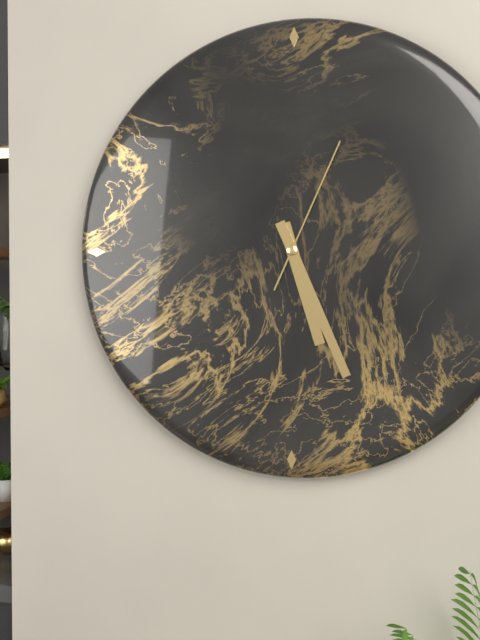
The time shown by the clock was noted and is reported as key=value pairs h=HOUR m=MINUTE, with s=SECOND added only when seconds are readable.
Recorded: h=5 m=26 s=4
